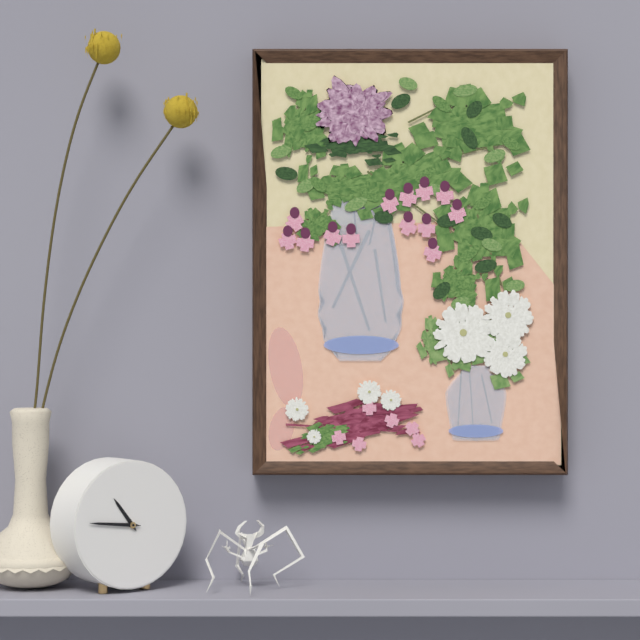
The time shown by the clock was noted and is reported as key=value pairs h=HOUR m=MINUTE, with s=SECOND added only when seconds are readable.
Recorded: h=10 m=46
